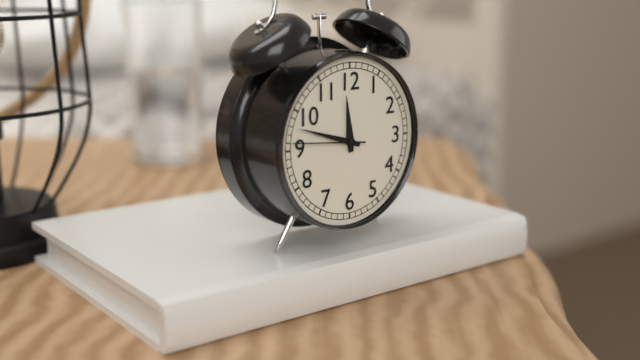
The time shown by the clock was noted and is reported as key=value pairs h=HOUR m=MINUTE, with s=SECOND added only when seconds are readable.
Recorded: h=11 m=48 s=46
